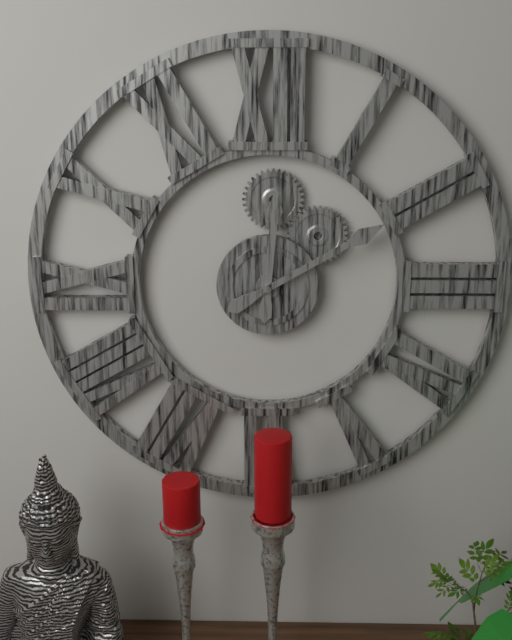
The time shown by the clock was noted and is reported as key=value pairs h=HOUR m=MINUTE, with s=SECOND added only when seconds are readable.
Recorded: h=12 m=10
